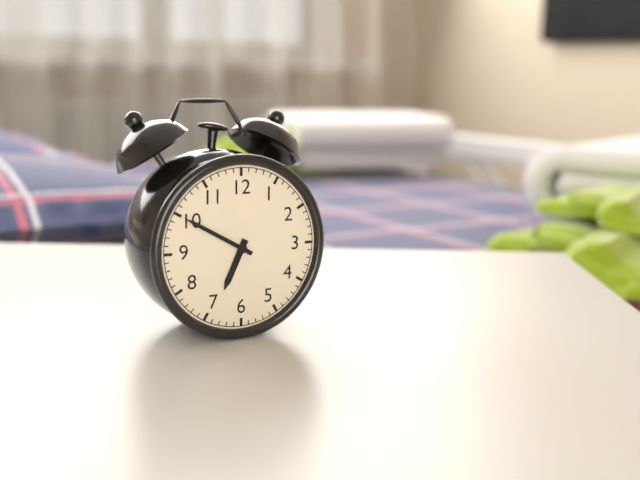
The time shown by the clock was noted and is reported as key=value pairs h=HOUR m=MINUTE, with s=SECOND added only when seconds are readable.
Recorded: h=6 m=50
